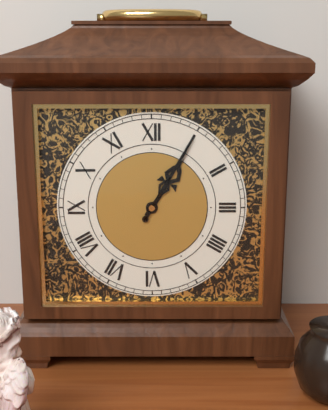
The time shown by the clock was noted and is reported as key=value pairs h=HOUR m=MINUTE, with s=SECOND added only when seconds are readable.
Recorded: h=1 m=5
